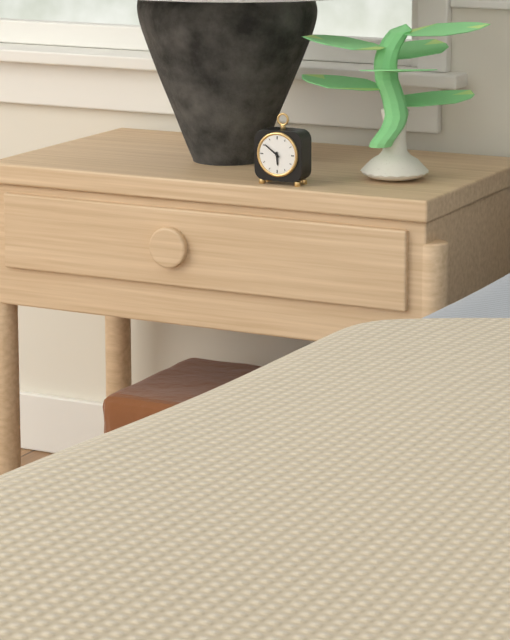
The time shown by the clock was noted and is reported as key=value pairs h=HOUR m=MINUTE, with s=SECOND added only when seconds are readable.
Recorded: h=5 m=51
